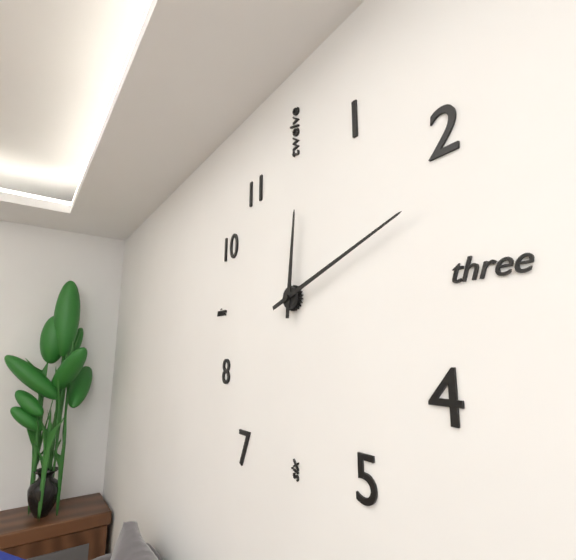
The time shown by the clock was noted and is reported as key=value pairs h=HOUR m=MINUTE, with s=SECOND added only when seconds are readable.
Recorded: h=12 m=12
